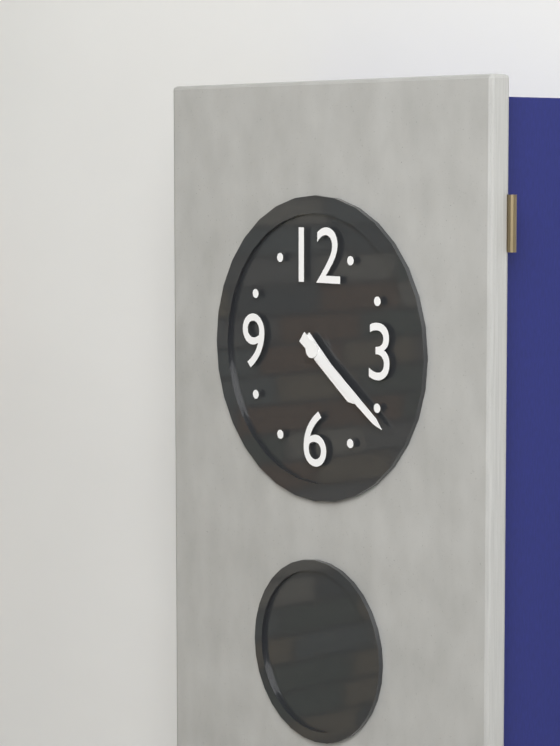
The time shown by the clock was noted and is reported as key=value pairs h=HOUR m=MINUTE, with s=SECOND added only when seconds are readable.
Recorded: h=4 m=21
